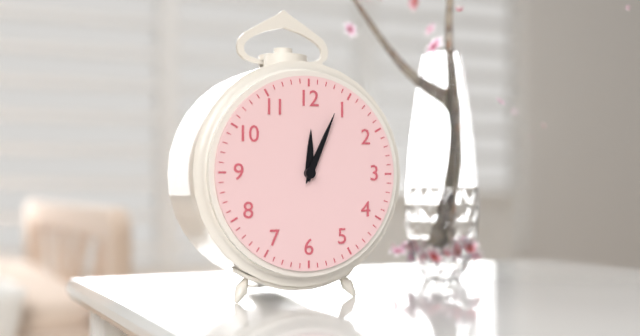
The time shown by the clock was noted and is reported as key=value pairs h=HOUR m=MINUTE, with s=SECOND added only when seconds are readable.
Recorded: h=12 m=4
